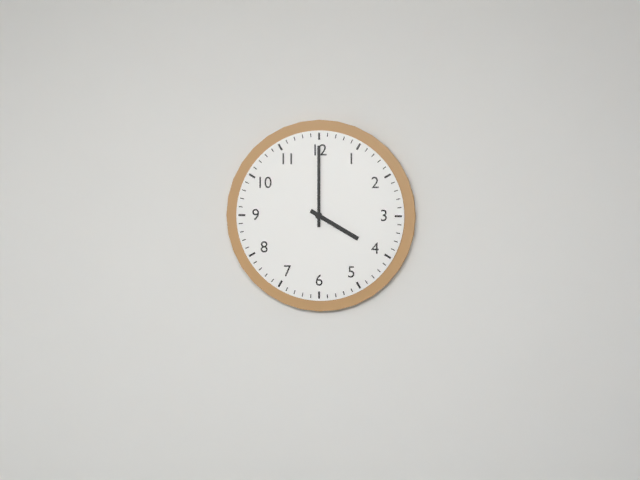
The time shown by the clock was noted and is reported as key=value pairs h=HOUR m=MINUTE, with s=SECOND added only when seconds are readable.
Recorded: h=4 m=0
